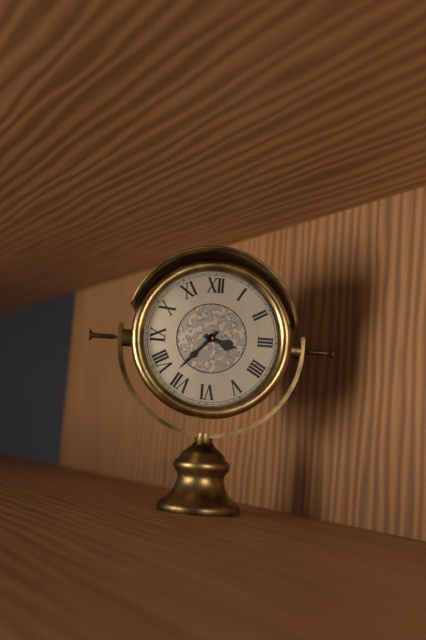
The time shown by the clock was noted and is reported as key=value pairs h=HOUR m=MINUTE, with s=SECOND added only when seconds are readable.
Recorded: h=3 m=37
